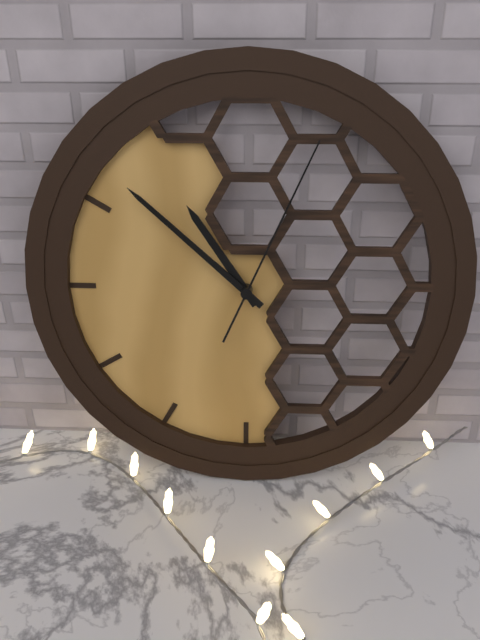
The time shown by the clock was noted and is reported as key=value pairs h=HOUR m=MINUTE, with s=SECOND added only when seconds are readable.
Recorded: h=10 m=52 s=4
